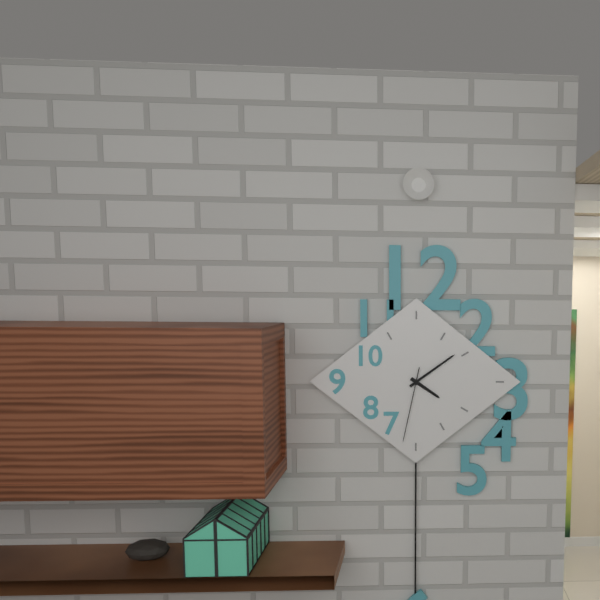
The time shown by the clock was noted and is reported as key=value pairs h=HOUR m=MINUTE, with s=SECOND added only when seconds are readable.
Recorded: h=4 m=9 s=32
